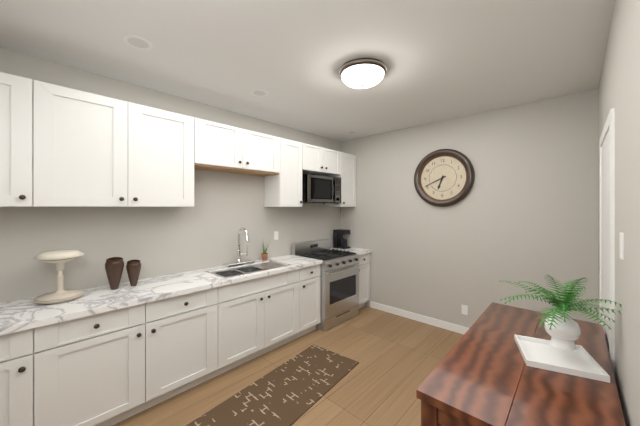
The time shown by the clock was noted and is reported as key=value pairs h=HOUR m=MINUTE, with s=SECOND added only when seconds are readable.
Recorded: h=6 m=41
